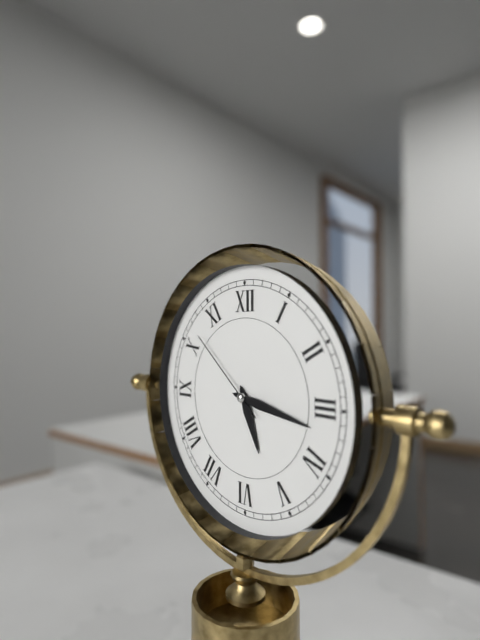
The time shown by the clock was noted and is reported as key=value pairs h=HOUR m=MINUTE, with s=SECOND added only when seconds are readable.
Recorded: h=5 m=17 s=52
